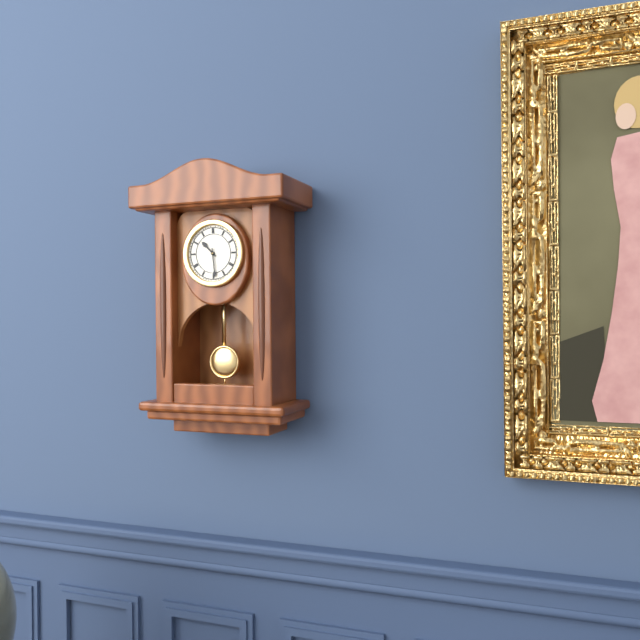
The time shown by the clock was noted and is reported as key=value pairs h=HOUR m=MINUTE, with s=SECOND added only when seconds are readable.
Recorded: h=10 m=29
